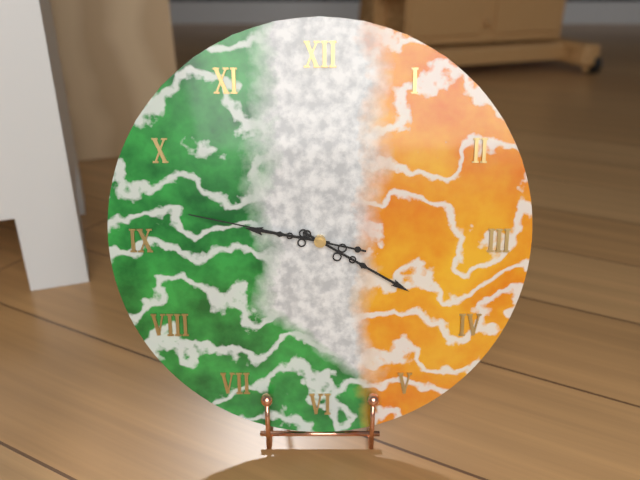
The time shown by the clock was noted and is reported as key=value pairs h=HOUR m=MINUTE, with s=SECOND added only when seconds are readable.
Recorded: h=9 m=20 s=47
